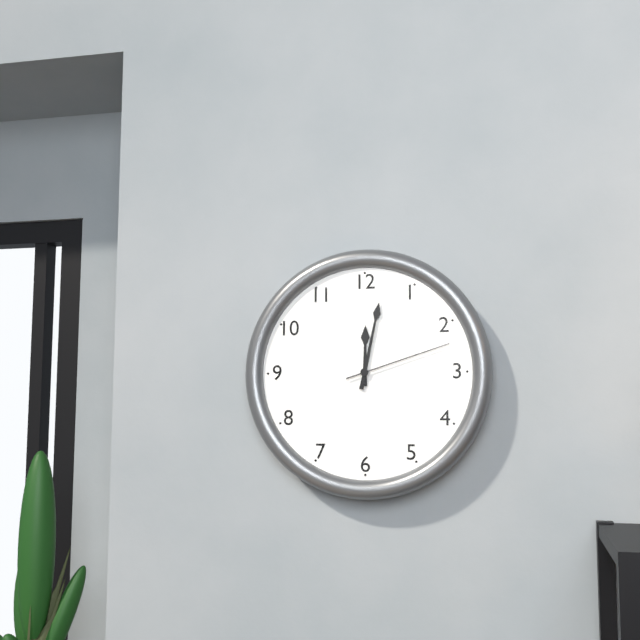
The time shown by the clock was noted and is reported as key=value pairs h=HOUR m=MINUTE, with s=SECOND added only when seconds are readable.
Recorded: h=12 m=2 s=12
